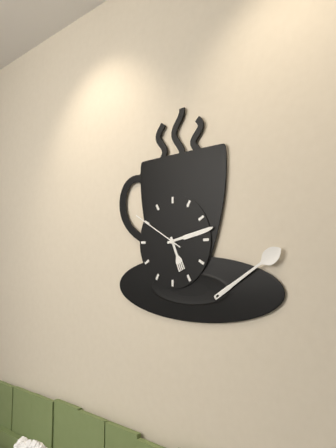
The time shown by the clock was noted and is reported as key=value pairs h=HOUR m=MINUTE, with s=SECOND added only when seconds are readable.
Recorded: h=5 m=13 s=50
